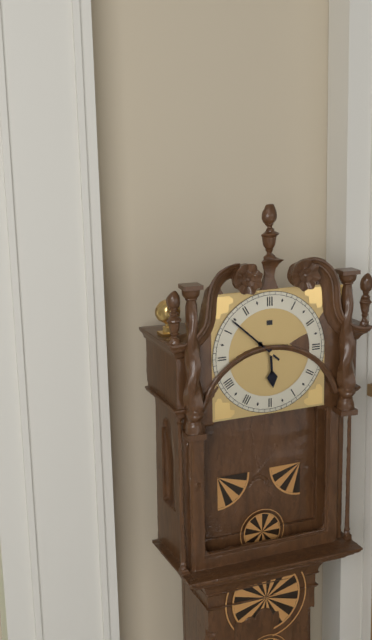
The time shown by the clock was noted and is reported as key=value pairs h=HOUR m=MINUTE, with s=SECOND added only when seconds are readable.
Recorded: h=5 m=52
